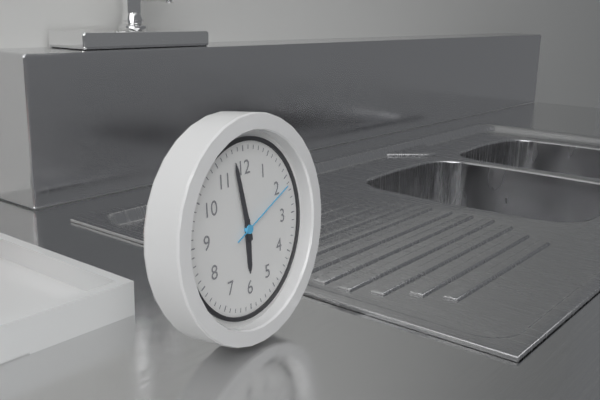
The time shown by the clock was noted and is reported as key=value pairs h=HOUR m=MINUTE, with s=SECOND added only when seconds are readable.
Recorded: h=5 m=58 s=11
